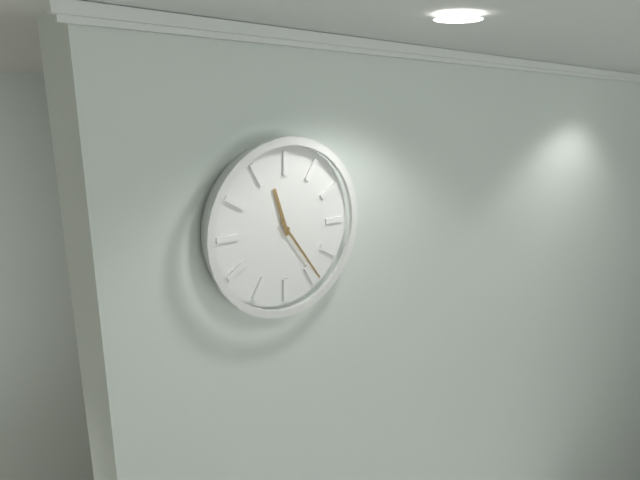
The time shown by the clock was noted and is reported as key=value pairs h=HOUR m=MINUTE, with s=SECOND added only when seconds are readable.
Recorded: h=11 m=24
